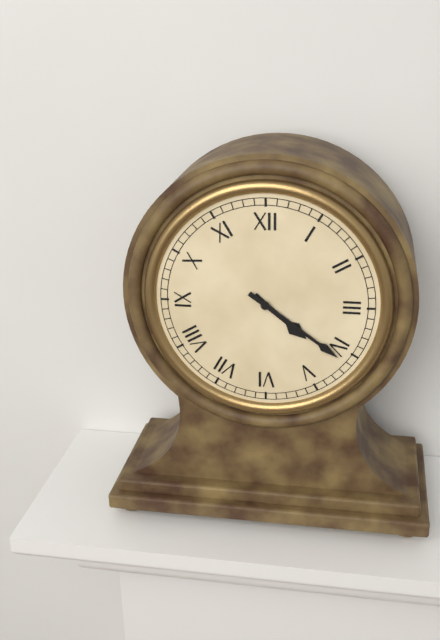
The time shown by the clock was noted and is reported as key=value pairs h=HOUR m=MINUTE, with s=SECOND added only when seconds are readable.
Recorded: h=4 m=21
